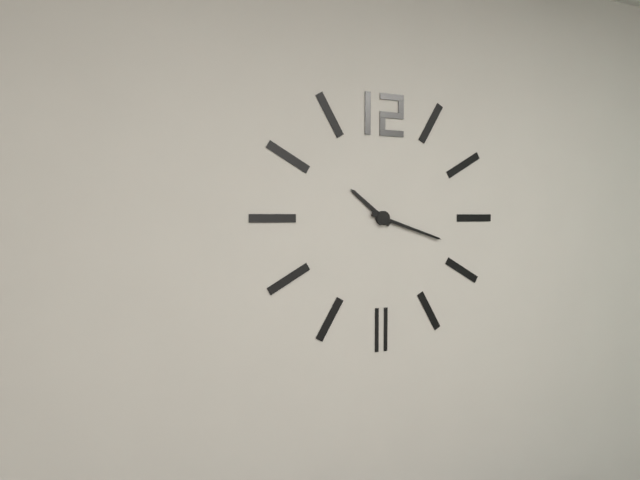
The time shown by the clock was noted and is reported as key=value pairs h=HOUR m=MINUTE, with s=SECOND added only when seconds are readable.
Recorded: h=10 m=18
